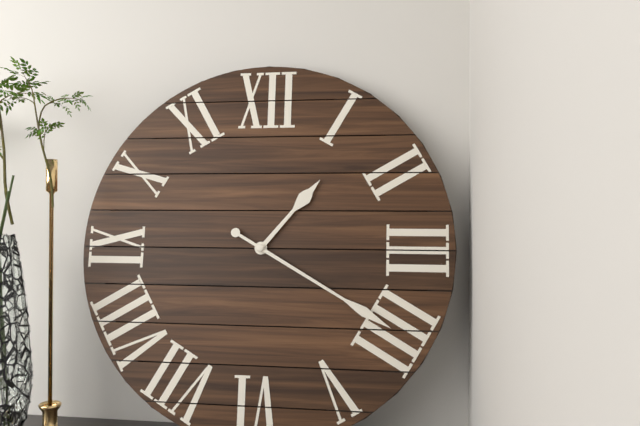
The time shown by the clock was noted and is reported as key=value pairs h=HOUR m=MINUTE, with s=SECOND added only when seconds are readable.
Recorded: h=1 m=20
